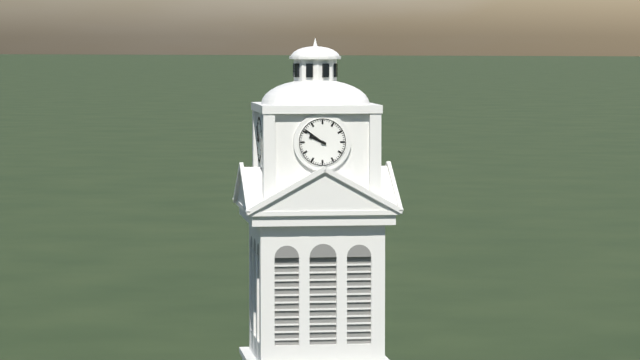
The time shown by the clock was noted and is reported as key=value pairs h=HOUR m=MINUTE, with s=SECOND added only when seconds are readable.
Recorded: h=9 m=51
